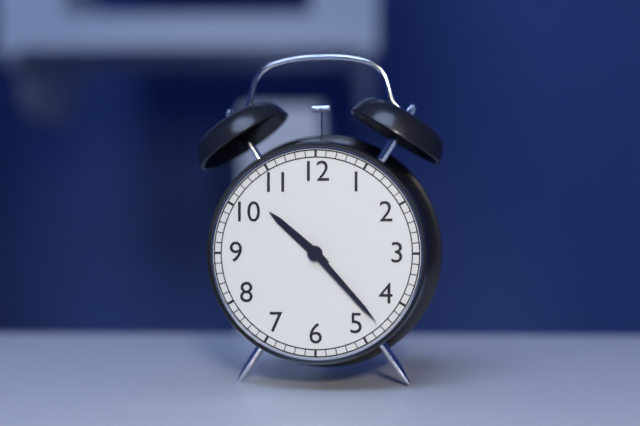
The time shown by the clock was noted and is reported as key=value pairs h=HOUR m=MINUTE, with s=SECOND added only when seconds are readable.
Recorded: h=10 m=23
